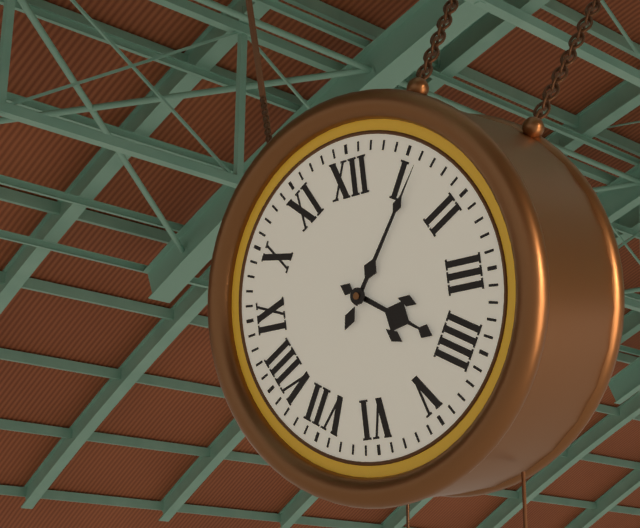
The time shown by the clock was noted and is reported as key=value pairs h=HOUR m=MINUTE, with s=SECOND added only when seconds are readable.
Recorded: h=4 m=6
